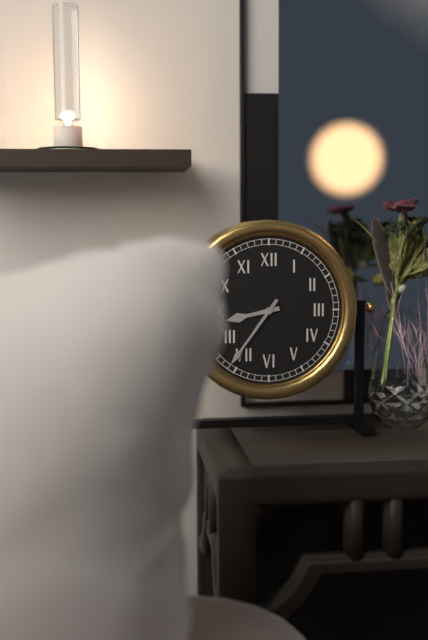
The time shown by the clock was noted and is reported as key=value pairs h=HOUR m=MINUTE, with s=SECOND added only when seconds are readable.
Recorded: h=8 m=36
